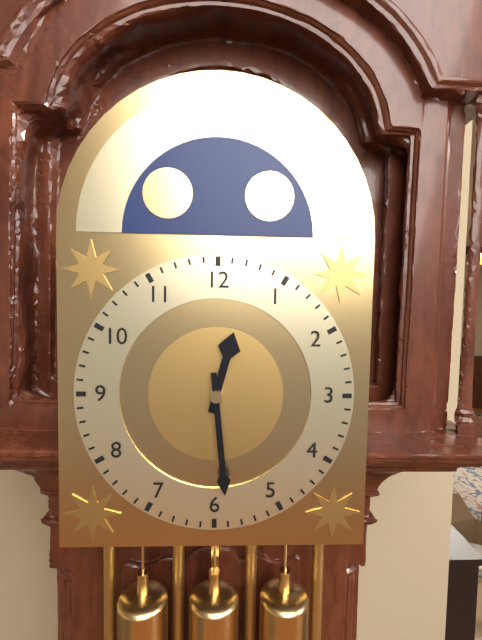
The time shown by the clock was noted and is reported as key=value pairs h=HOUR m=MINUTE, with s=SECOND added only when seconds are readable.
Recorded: h=12 m=29
